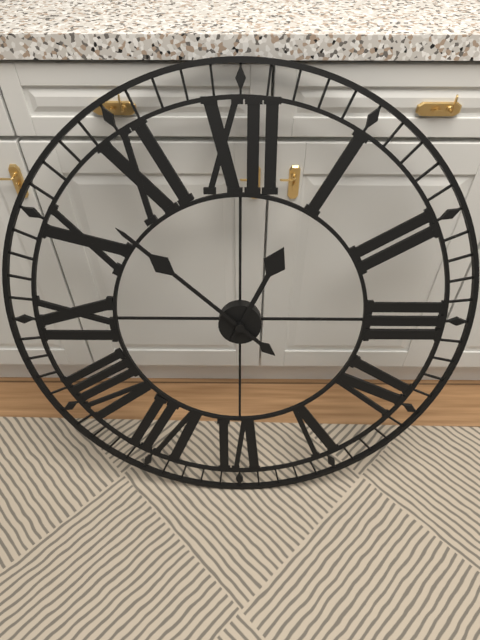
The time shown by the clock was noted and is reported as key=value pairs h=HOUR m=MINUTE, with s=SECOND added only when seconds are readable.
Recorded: h=12 m=52
